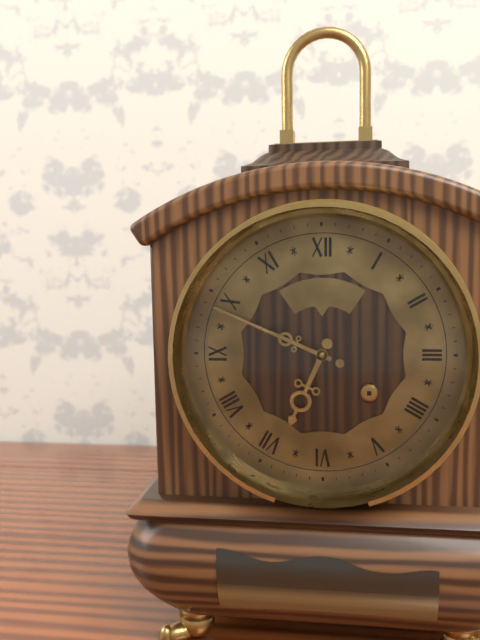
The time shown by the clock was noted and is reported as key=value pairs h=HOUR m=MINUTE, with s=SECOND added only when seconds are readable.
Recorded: h=6 m=49
